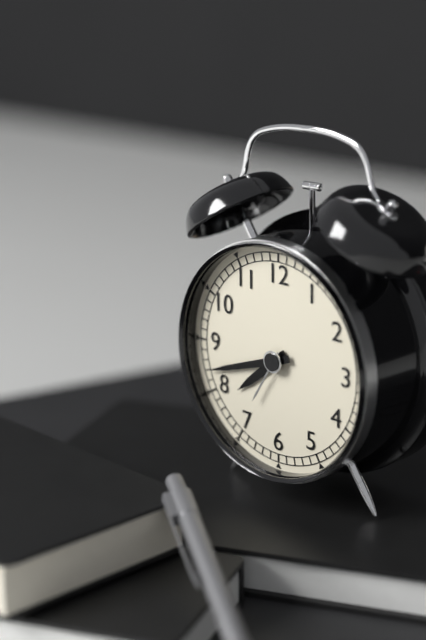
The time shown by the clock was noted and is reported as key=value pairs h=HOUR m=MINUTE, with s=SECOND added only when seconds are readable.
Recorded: h=7 m=42
